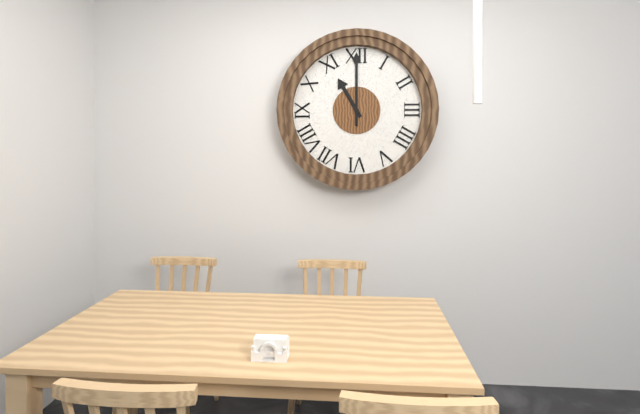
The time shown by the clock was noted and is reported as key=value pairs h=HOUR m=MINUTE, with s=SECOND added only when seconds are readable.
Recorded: h=11 m=0
